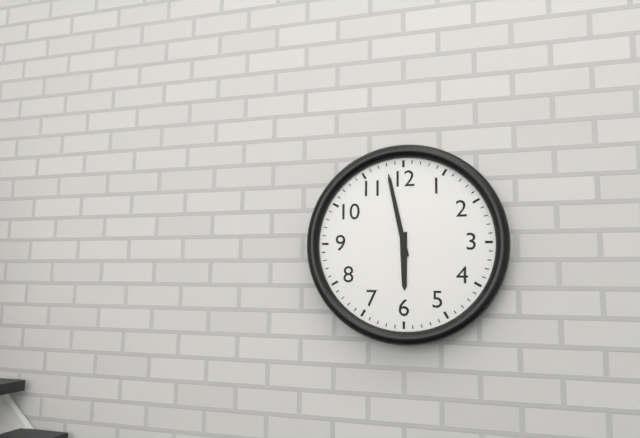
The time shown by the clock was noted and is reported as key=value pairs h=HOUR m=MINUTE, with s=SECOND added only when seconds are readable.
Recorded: h=5 m=58
